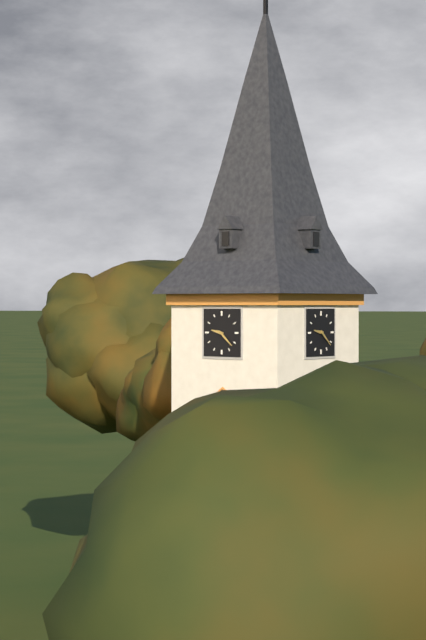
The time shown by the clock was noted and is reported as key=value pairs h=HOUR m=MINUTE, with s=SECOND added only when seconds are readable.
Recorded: h=9 m=22
